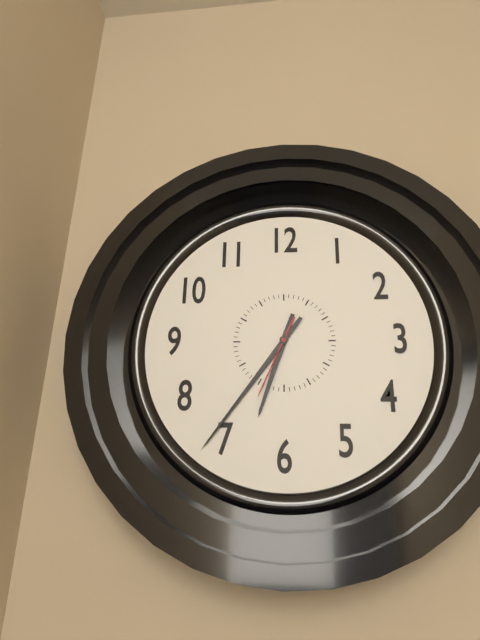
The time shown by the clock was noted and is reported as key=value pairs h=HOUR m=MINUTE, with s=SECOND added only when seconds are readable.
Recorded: h=6 m=36 s=34
